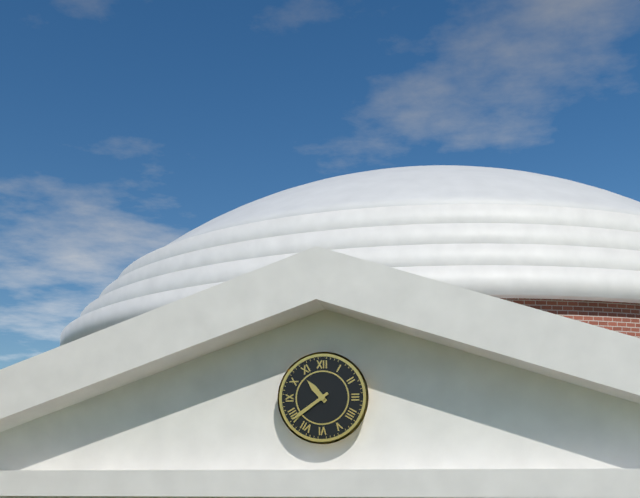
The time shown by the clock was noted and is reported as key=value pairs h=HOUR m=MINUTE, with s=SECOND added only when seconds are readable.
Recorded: h=10 m=39
